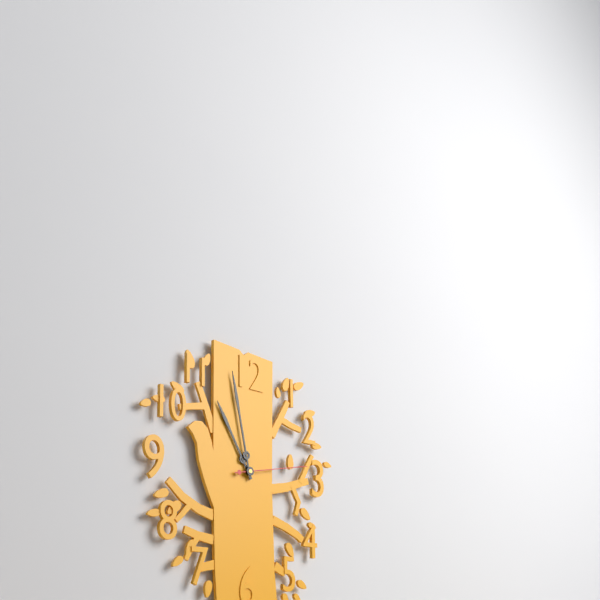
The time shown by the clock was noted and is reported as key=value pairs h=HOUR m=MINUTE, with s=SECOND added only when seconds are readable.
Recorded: h=10 m=58 s=13
